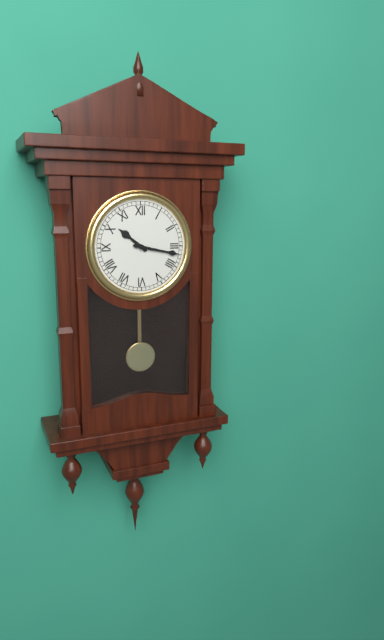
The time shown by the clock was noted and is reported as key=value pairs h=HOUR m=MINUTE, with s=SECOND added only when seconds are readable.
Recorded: h=10 m=17
